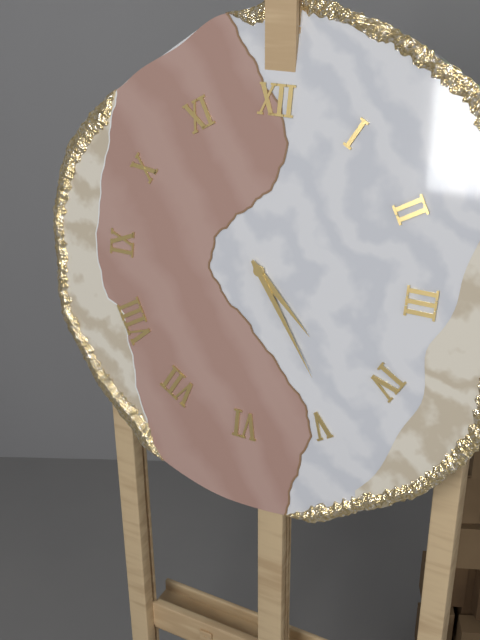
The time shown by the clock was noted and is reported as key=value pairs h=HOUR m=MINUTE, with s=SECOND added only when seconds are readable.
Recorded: h=4 m=24
